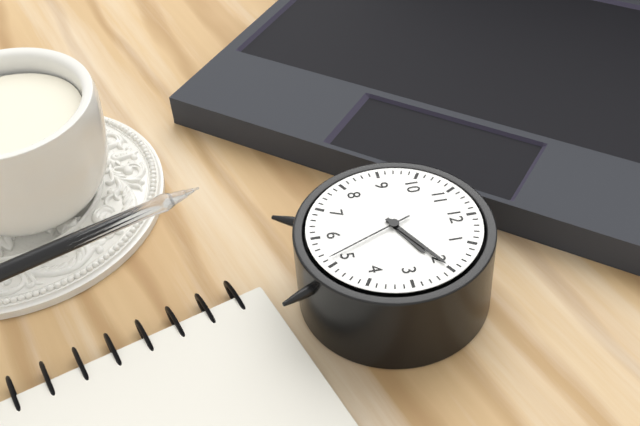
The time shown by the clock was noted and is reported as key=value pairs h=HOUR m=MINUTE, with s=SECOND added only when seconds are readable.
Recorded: h=2 m=10 s=26
